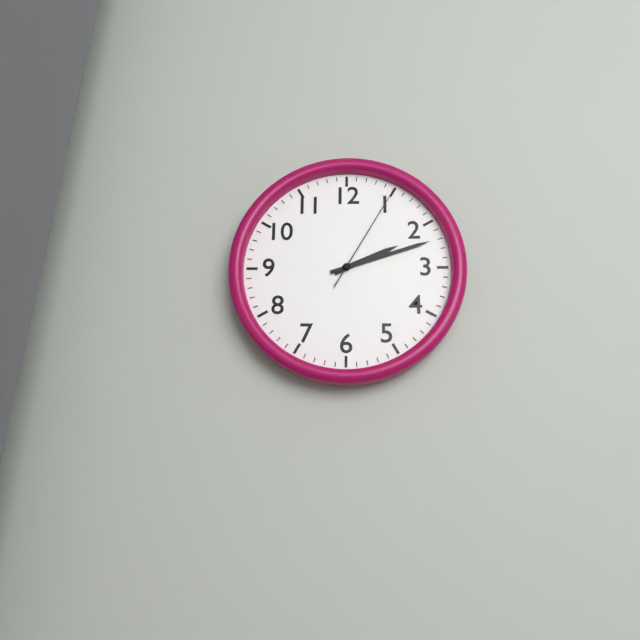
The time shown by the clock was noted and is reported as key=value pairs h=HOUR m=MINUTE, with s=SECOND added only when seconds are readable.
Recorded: h=2 m=12 s=5
